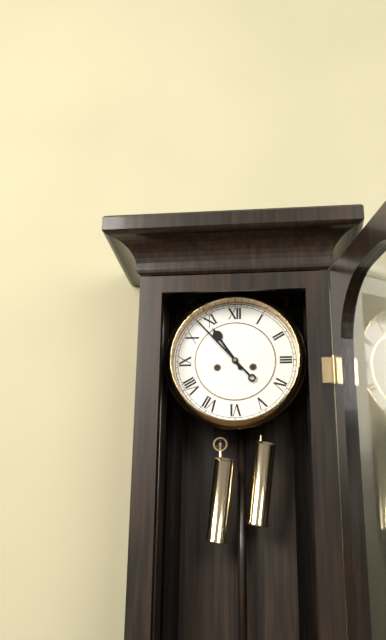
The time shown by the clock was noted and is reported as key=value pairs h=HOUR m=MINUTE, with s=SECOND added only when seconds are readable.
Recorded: h=10 m=53
